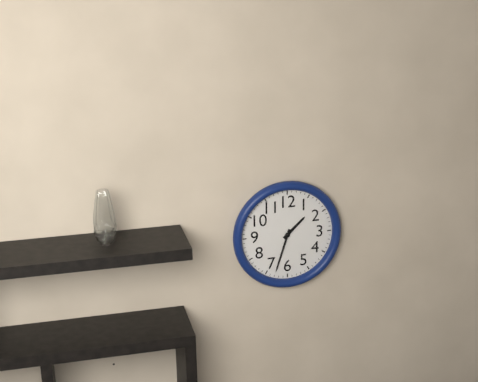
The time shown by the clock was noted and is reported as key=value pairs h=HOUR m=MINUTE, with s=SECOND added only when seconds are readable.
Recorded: h=1 m=33
